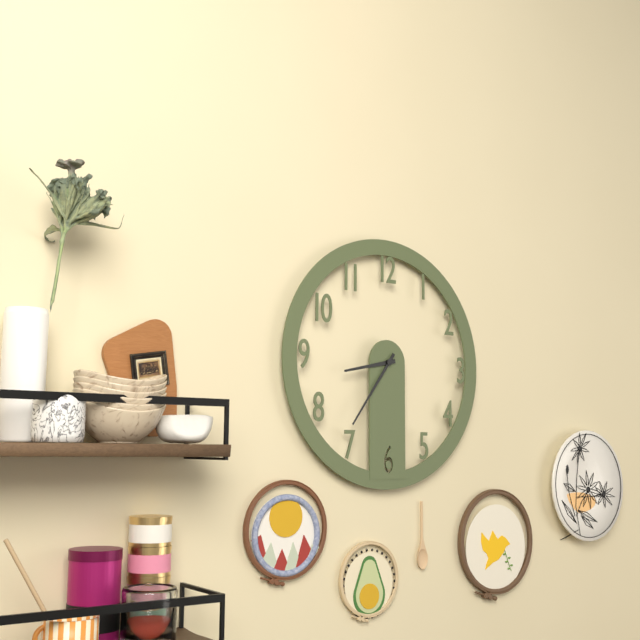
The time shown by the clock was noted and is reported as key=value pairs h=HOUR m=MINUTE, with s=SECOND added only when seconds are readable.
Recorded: h=8 m=36
